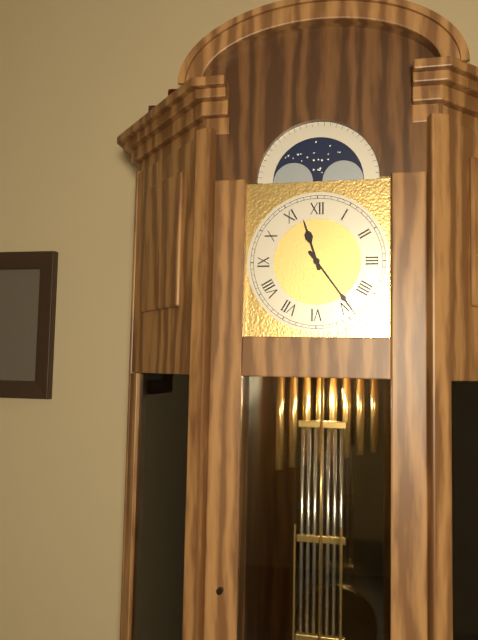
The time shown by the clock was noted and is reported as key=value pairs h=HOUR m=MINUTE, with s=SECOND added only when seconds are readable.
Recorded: h=11 m=24
